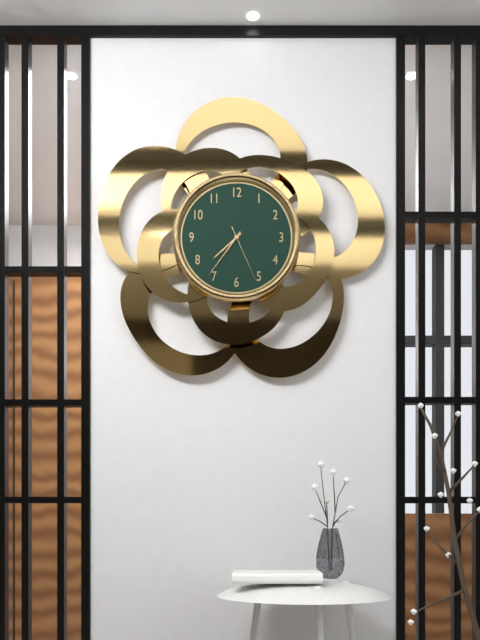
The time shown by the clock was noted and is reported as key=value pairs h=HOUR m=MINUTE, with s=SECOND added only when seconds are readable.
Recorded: h=7 m=36 s=26
